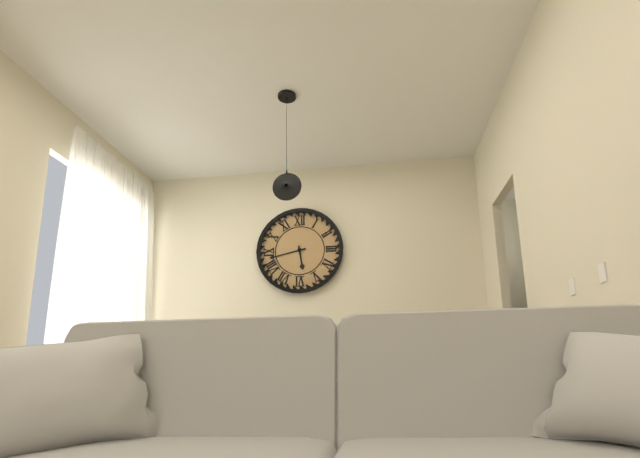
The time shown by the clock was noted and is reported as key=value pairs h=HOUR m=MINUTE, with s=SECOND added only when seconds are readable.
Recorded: h=5 m=43
